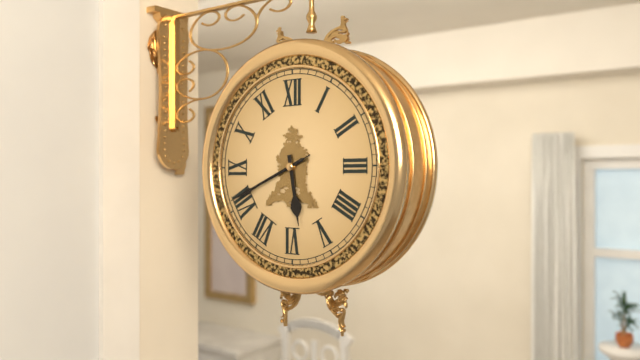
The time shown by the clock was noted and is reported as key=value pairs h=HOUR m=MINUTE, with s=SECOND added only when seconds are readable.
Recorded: h=5 m=41 s=41
